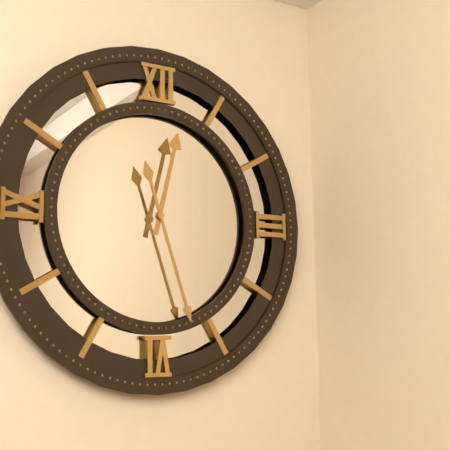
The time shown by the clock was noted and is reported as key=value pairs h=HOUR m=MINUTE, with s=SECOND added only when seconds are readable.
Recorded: h=12 m=27
